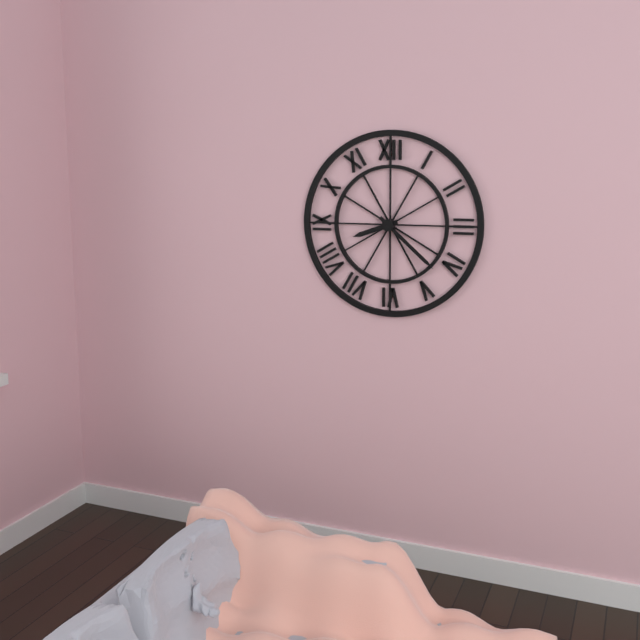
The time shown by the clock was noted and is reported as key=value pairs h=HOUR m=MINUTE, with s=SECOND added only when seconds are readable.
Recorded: h=8 m=22
